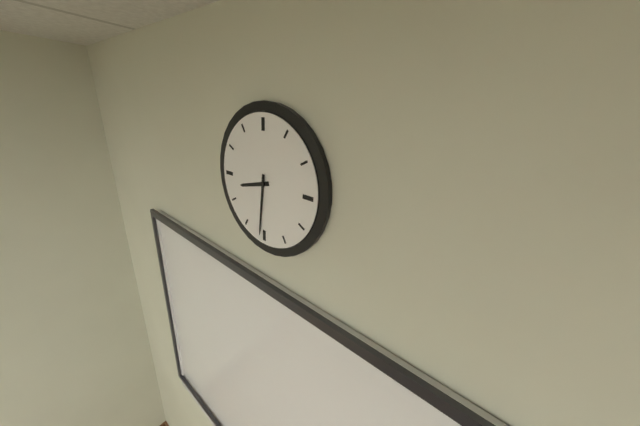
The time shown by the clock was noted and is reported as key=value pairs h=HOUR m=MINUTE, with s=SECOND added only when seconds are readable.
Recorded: h=8 m=31
